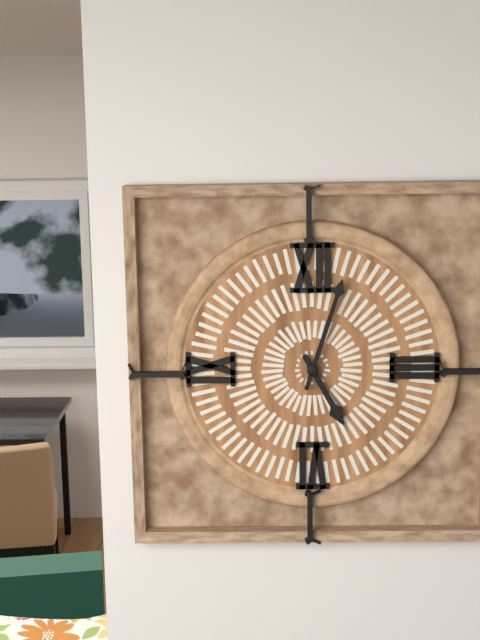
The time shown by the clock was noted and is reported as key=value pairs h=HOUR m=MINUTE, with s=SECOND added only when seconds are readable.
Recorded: h=5 m=3
